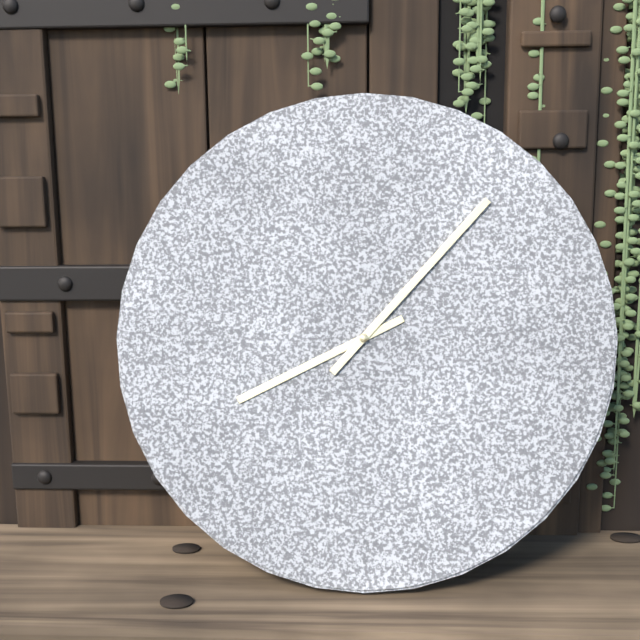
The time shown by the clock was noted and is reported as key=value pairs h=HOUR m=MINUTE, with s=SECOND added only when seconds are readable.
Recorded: h=8 m=7
